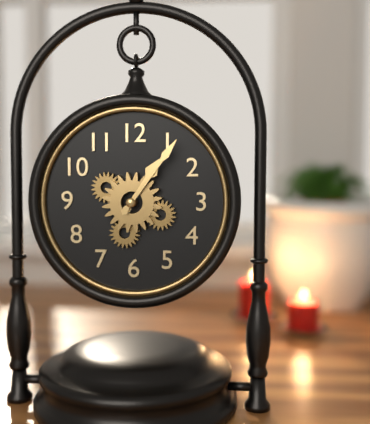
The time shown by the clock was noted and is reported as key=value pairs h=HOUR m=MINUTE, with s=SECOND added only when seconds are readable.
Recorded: h=1 m=6
